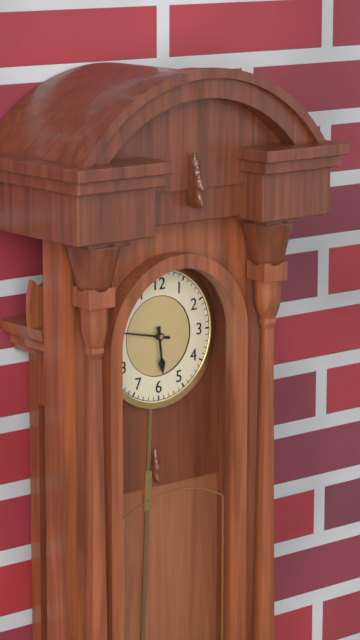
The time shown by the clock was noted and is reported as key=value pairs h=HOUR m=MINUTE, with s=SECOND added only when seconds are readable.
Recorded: h=5 m=47
